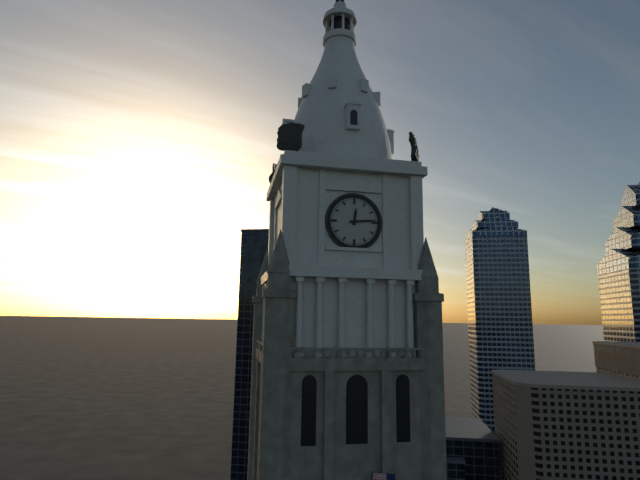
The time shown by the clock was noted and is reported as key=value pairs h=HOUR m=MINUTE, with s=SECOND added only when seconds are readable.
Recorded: h=12 m=14
